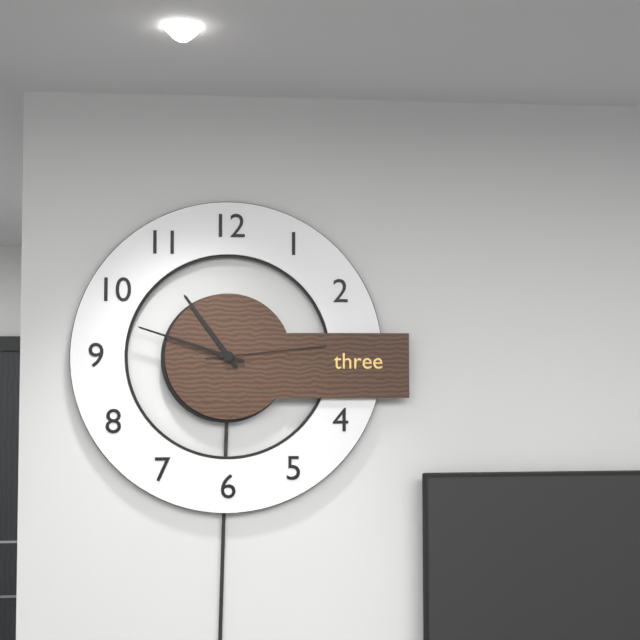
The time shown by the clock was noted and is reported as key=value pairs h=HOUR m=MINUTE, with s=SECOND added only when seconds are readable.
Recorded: h=10 m=48 s=14
